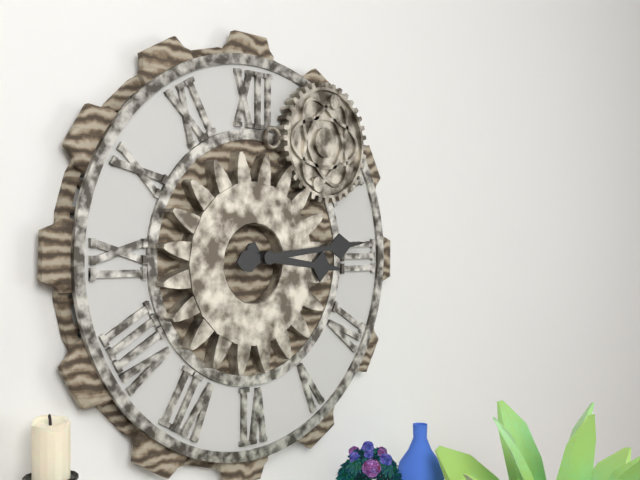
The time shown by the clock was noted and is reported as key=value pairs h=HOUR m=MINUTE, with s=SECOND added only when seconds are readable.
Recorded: h=3 m=14
